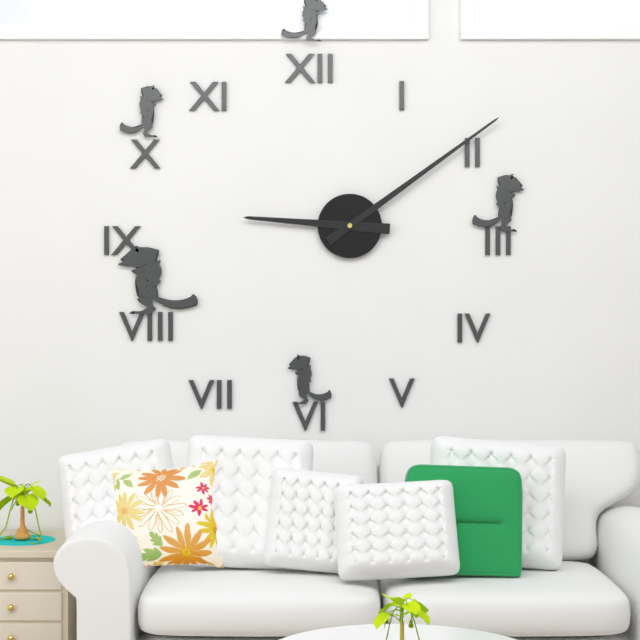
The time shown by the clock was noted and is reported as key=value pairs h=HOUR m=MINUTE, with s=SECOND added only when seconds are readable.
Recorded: h=9 m=9
